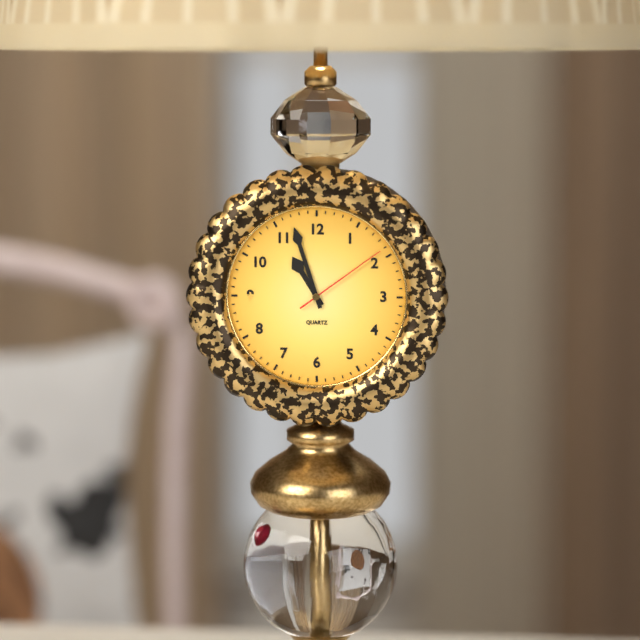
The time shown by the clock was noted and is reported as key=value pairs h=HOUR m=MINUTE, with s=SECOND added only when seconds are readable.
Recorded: h=10 m=57 s=9
